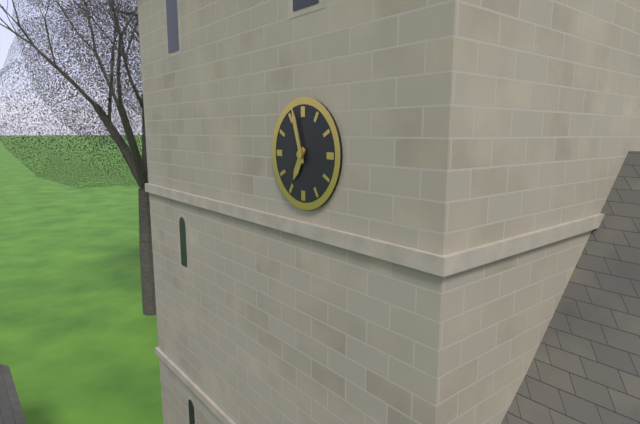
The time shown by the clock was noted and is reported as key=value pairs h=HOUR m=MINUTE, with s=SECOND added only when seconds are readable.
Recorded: h=6 m=57
